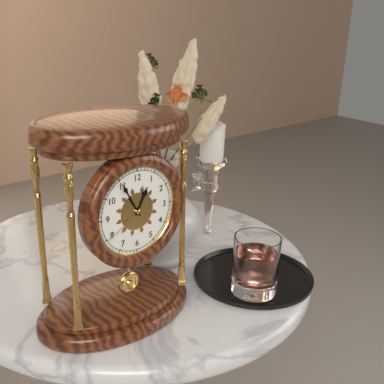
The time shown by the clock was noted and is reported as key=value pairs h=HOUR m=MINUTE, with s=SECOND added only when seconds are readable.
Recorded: h=12 m=55 s=40
